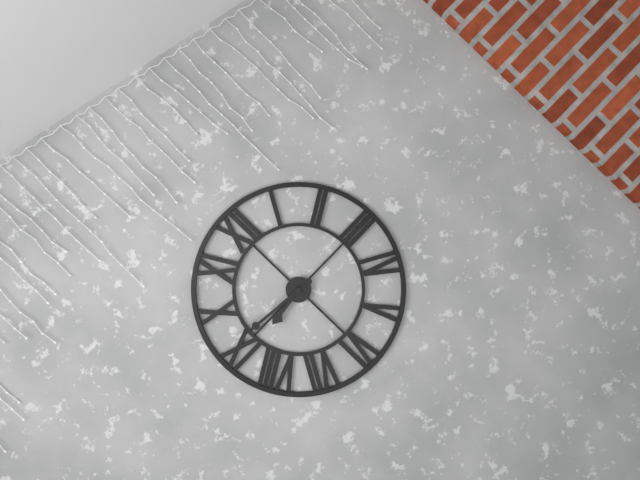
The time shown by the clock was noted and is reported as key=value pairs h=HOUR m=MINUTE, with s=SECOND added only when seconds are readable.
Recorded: h=8 m=46
